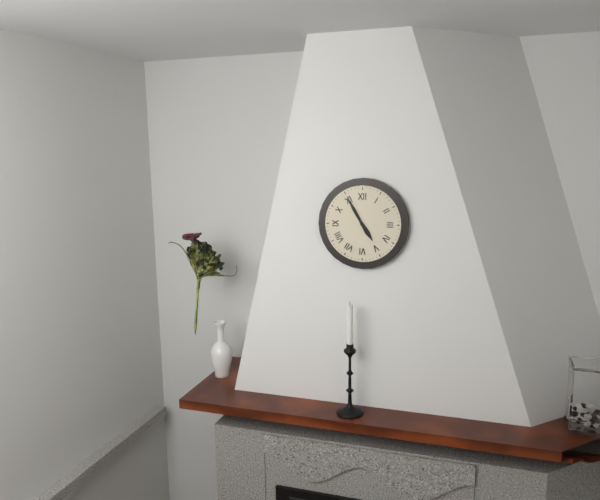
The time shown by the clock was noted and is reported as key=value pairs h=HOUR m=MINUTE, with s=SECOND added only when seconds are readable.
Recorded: h=4 m=55
